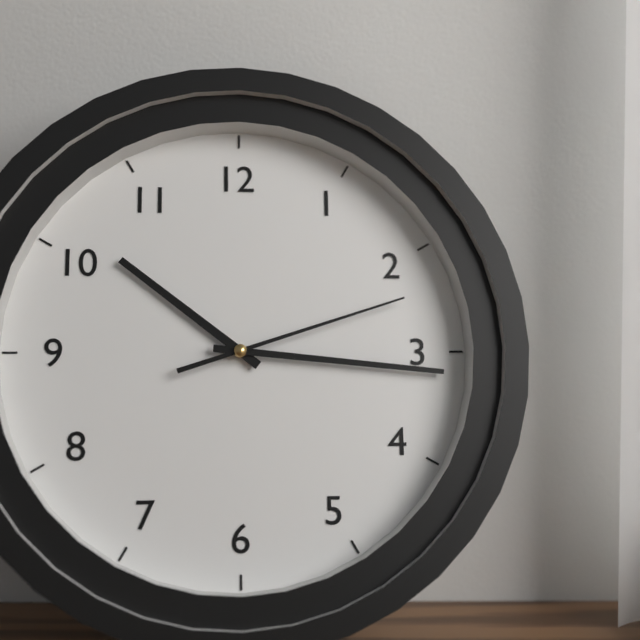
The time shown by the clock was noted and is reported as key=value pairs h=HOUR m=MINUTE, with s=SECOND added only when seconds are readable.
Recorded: h=10 m=16 s=12
